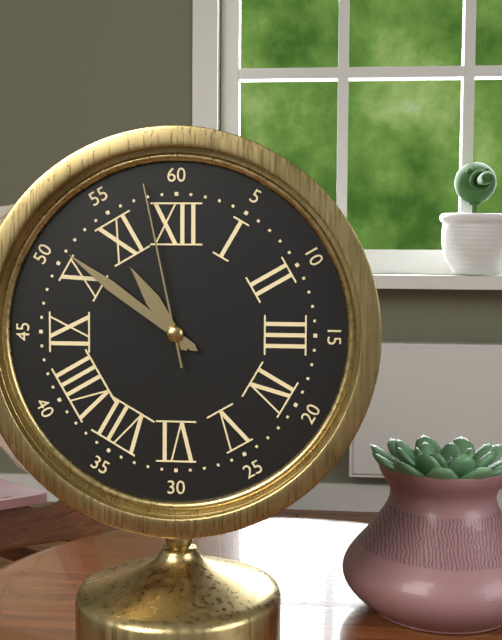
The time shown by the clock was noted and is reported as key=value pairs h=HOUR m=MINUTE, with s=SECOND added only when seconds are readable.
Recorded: h=10 m=51 s=58
